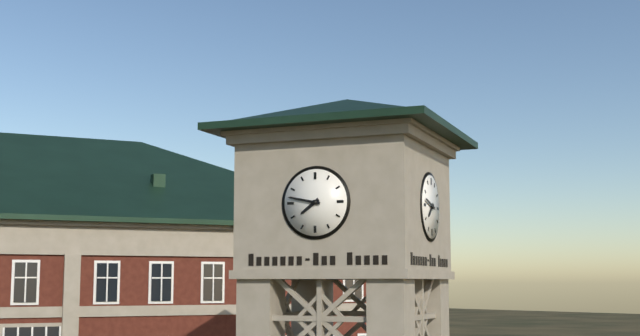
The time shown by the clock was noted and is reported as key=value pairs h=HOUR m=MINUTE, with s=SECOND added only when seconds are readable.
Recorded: h=7 m=47
